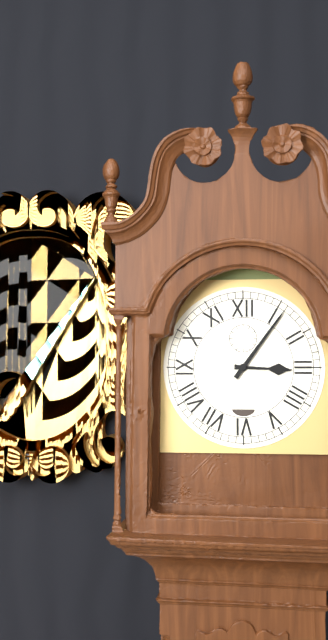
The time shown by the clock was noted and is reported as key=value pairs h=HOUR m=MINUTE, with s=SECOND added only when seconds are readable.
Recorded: h=3 m=6
